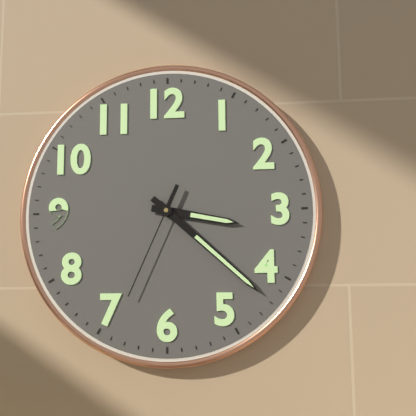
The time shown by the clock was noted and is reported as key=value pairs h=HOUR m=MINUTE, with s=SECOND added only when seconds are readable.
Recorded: h=3 m=22 s=34
